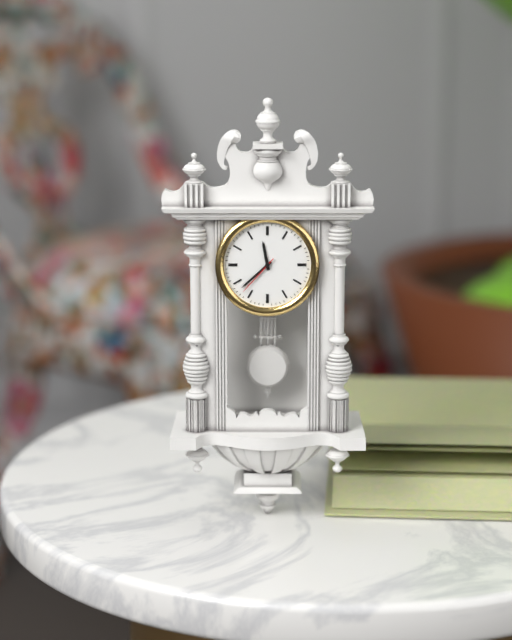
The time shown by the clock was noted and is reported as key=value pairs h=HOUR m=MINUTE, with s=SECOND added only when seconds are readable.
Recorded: h=11 m=38
